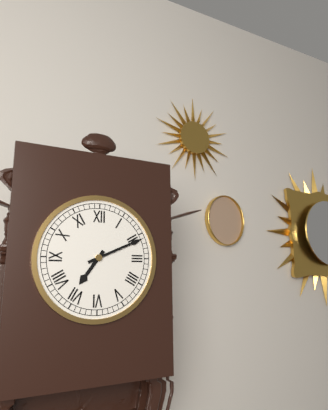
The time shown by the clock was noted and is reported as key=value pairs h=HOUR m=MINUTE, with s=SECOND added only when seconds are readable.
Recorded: h=7 m=11
